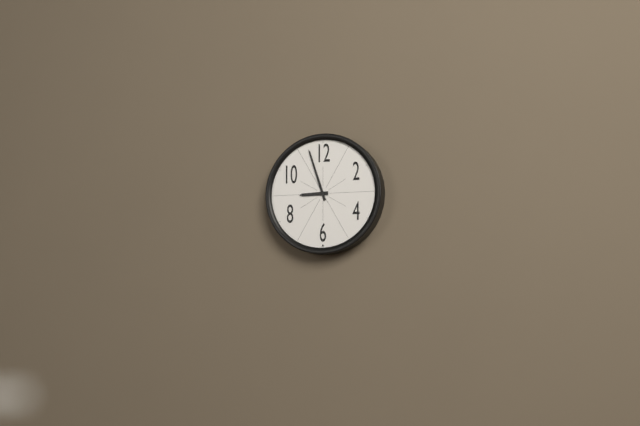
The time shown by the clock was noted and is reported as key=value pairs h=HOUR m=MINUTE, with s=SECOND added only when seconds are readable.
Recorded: h=8 m=57
